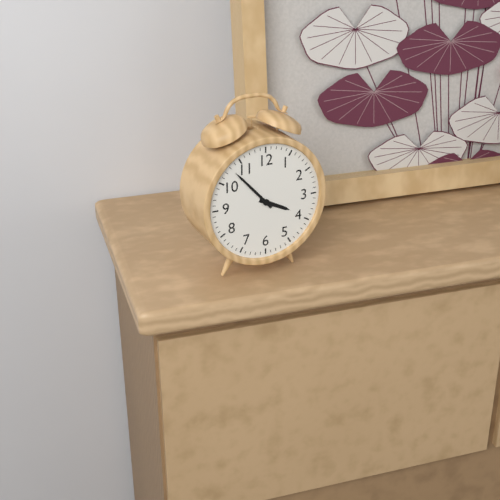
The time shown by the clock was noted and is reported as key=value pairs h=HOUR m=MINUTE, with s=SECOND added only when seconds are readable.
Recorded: h=3 m=53
